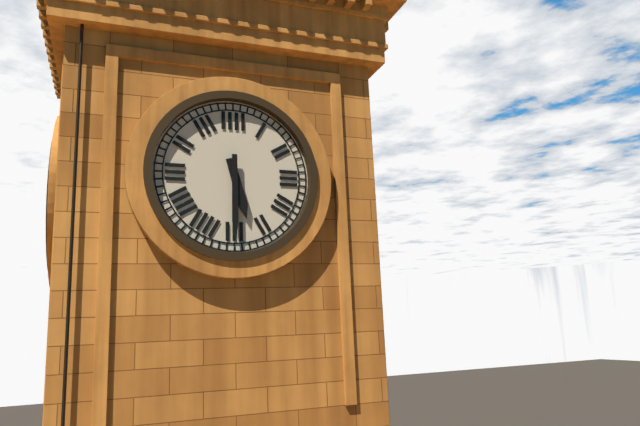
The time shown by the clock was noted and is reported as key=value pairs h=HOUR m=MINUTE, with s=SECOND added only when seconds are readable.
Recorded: h=5 m=30
